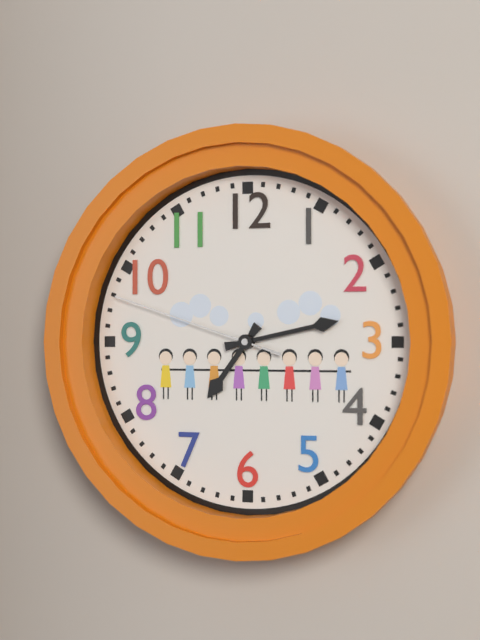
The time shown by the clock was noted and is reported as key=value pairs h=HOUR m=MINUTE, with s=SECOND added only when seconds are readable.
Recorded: h=7 m=13 s=48
